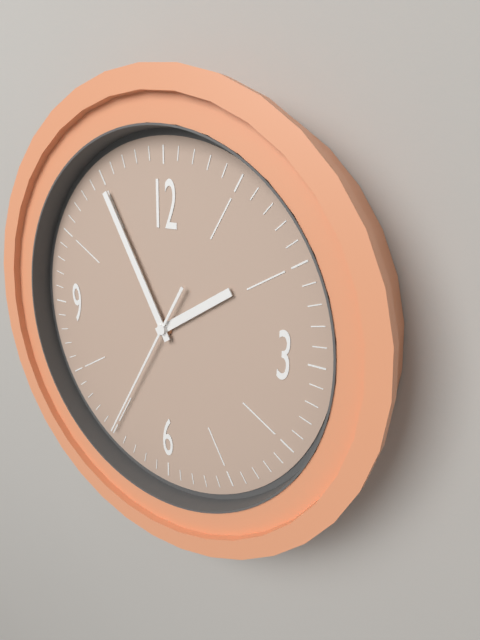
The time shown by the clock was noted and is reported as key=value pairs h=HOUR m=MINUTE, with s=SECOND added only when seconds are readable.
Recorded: h=1 m=55 s=35
